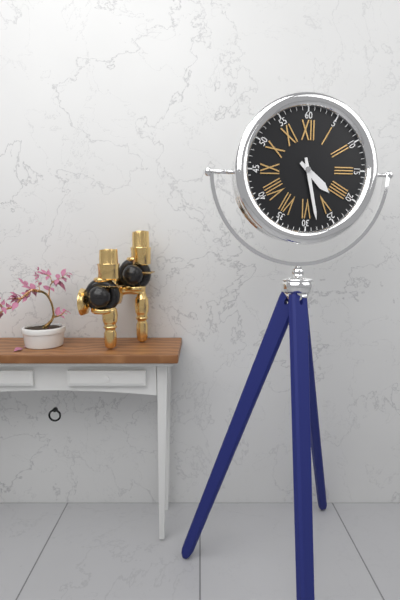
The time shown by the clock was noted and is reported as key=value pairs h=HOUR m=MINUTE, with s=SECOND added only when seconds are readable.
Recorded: h=4 m=28
